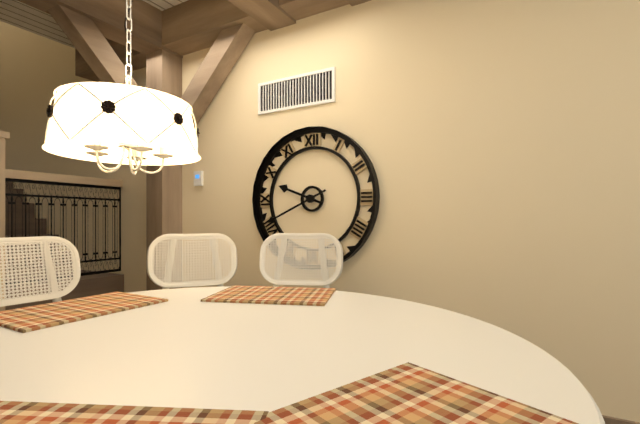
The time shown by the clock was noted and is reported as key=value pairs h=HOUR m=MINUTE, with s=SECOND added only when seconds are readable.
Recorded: h=9 m=41
